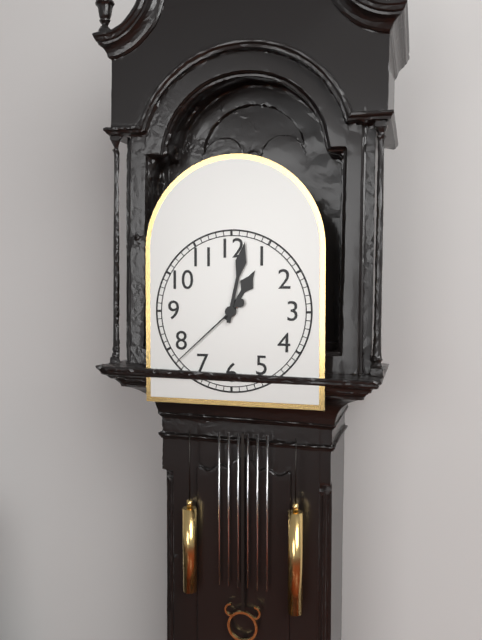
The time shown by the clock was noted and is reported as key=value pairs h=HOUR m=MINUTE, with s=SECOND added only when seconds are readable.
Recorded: h=1 m=2 s=38
